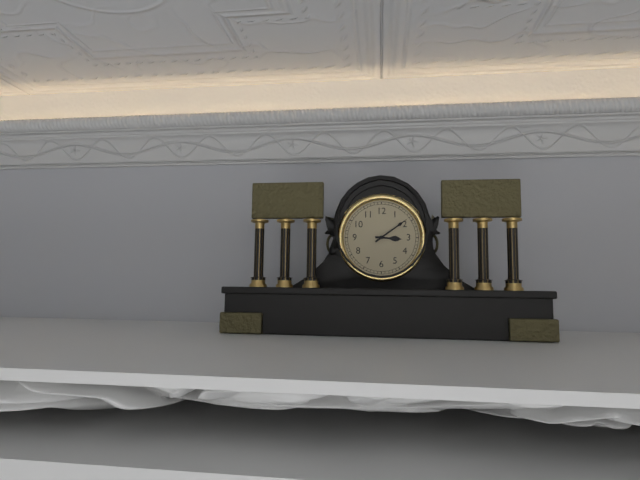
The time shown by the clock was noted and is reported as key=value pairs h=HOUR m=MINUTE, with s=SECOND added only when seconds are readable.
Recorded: h=3 m=9
